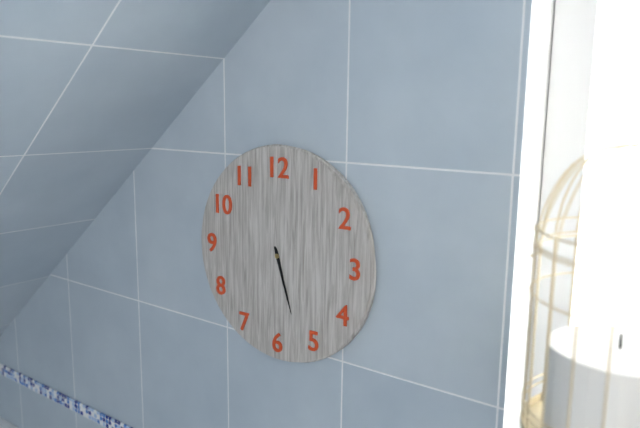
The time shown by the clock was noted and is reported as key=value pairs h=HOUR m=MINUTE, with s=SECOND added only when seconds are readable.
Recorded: h=5 m=27
